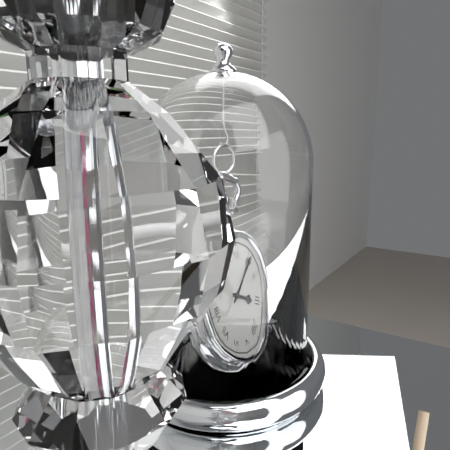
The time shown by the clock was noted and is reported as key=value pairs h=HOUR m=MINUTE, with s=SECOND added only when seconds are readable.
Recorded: h=3 m=6
